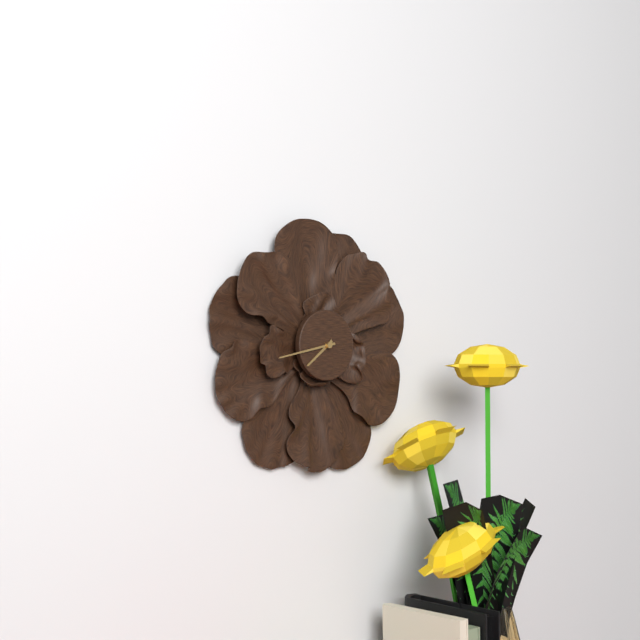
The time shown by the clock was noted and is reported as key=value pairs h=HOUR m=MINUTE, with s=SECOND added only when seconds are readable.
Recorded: h=7 m=43
